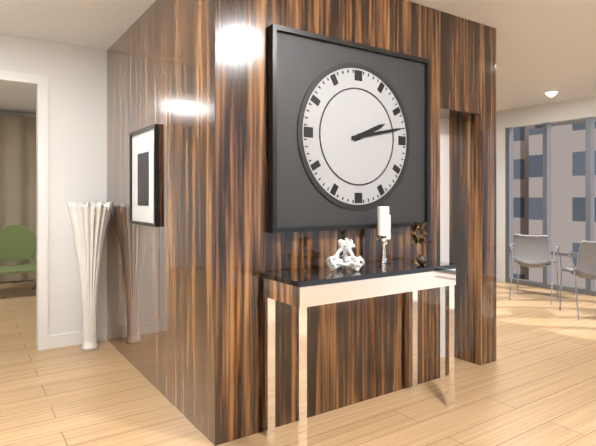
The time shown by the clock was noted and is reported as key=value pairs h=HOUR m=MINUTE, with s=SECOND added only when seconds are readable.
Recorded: h=2 m=13
